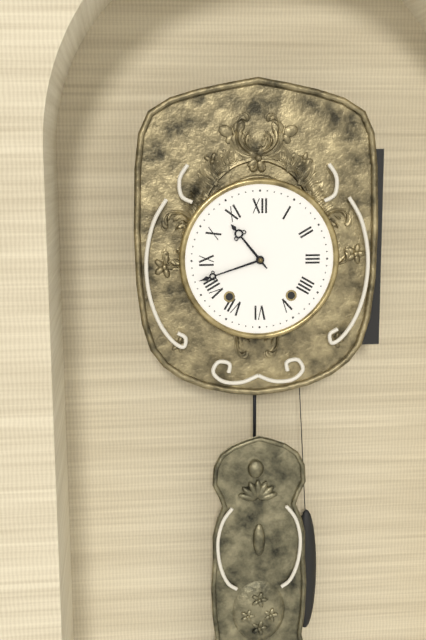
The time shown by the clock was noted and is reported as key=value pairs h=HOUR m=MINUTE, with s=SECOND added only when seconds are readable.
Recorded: h=10 m=42
